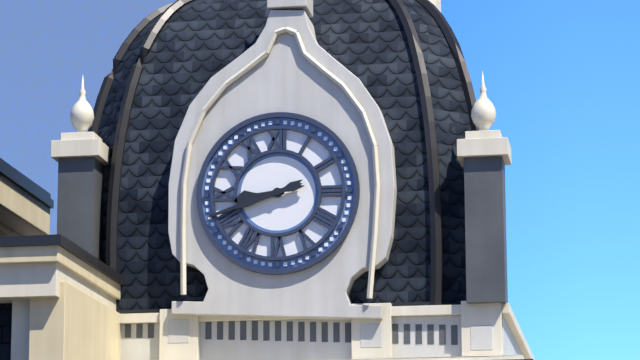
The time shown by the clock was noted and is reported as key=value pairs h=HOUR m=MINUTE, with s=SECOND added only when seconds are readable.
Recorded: h=8 m=42
